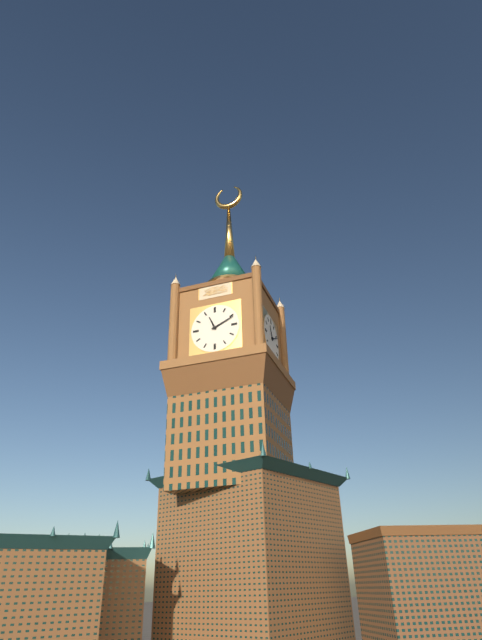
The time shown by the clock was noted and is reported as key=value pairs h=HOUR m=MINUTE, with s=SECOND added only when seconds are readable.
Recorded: h=11 m=11
